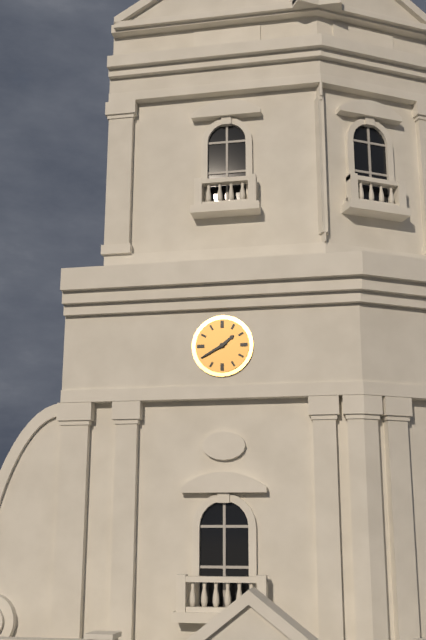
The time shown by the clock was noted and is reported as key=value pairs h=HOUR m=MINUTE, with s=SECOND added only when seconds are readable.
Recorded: h=1 m=40
